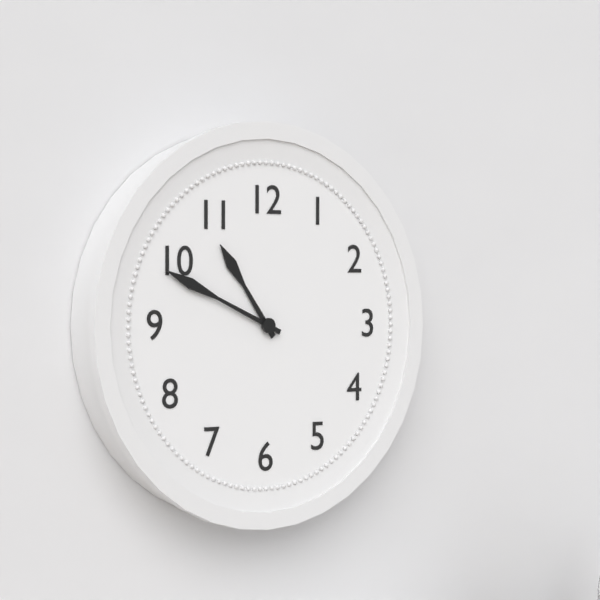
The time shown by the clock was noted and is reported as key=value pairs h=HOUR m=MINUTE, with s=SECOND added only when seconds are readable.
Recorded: h=10 m=49
